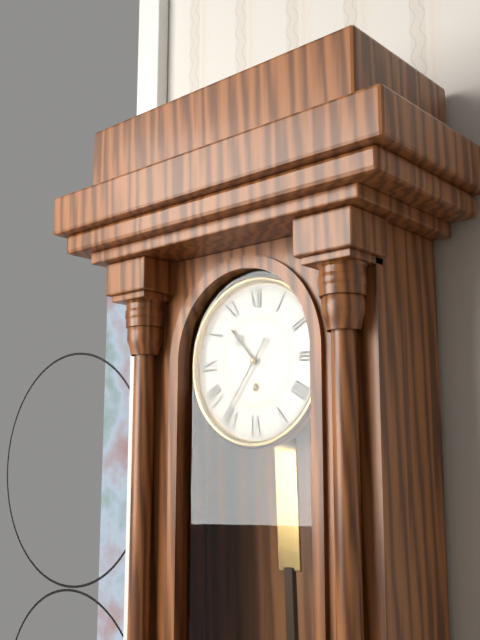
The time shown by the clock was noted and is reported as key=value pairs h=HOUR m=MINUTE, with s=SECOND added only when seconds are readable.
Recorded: h=10 m=36
